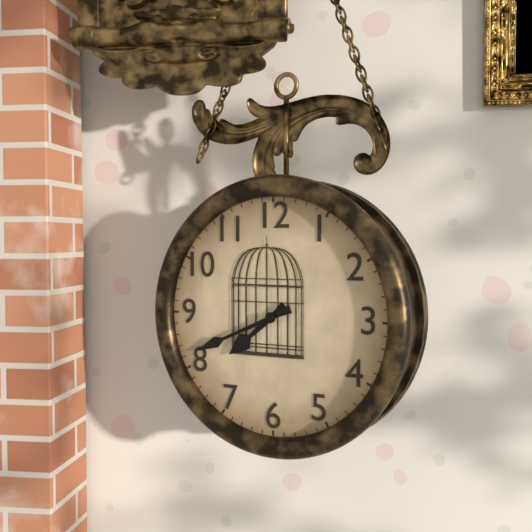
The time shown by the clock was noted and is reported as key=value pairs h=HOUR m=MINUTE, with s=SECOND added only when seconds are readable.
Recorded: h=7 m=41
